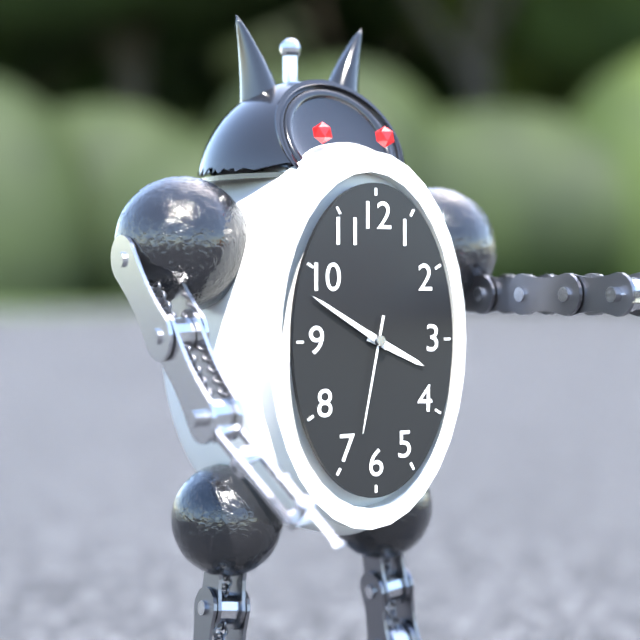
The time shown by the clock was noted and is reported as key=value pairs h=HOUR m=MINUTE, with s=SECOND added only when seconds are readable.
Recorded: h=3 m=50 s=32
